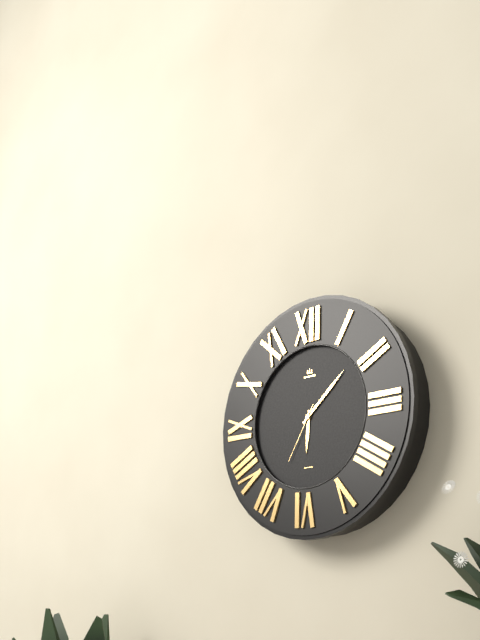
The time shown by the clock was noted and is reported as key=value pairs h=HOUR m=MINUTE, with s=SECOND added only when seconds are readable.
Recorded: h=6 m=8 s=35
